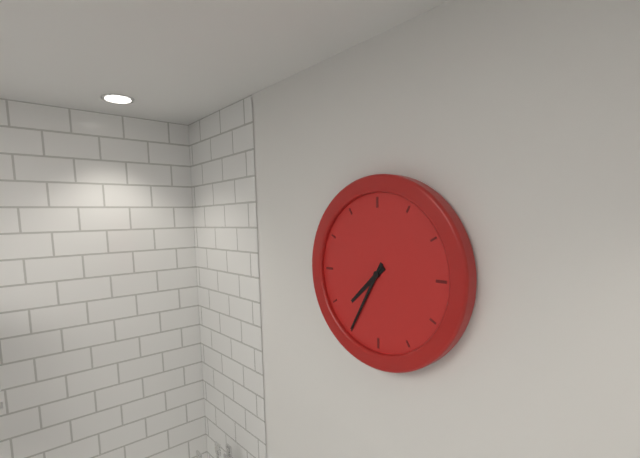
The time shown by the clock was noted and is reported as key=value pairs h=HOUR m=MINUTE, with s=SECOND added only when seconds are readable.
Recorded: h=7 m=35
